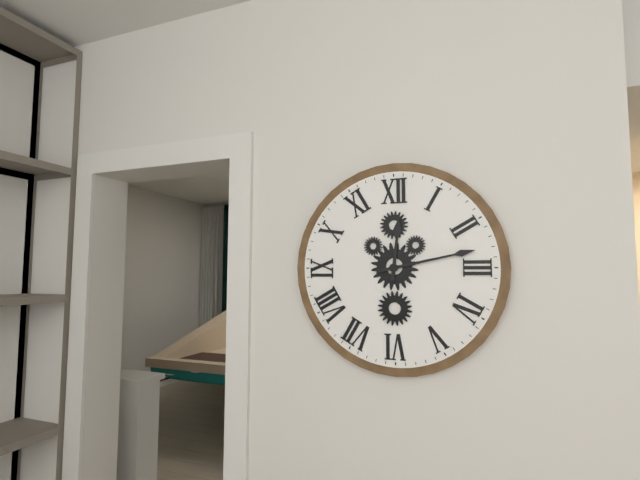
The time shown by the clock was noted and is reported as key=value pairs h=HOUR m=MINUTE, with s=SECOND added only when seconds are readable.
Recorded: h=12 m=13
